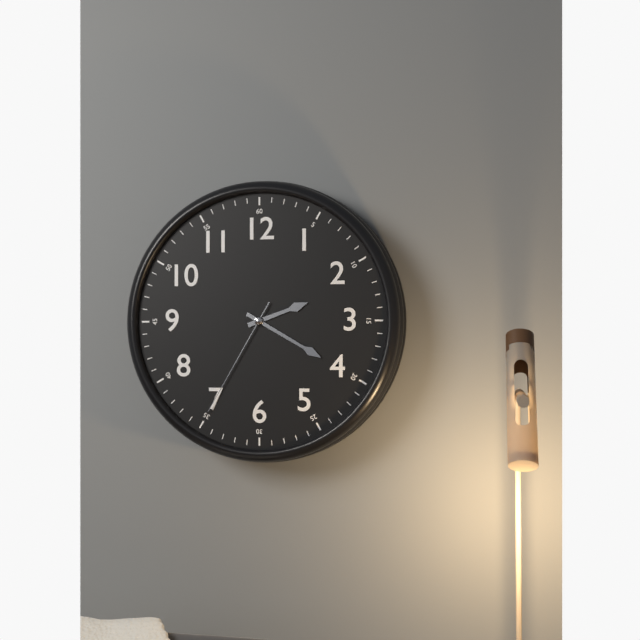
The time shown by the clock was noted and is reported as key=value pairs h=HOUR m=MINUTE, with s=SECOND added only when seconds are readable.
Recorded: h=2 m=20 s=35
